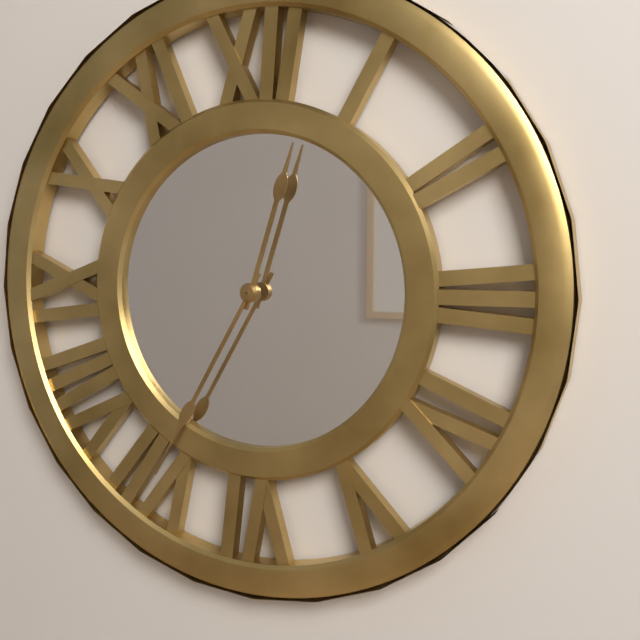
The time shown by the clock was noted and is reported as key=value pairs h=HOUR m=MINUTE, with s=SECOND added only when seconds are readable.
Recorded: h=12 m=35
